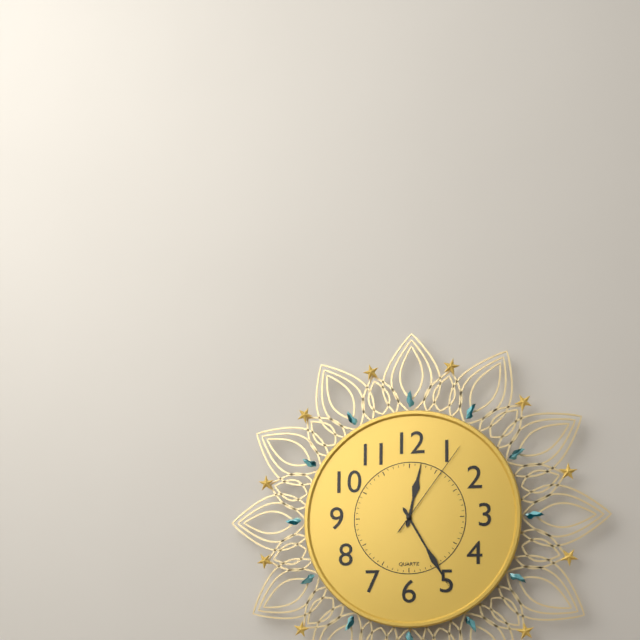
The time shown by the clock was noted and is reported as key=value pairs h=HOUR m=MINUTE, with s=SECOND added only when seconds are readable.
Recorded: h=12 m=25 s=6
